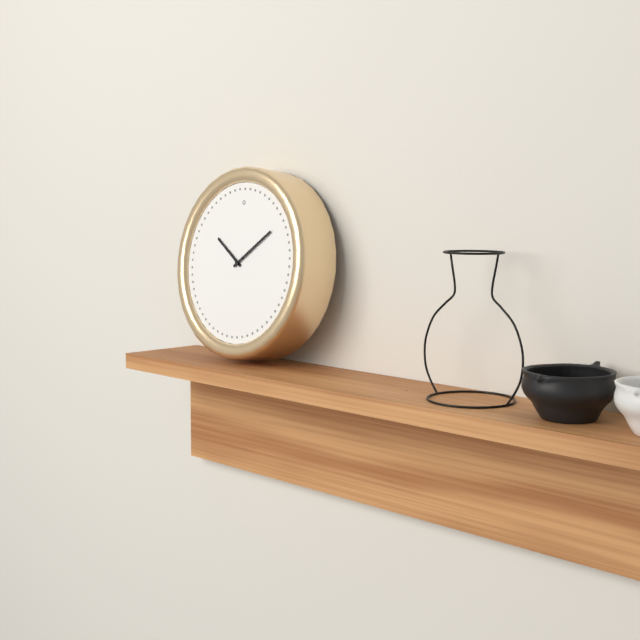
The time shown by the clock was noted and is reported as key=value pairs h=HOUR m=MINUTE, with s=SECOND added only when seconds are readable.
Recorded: h=10 m=9
